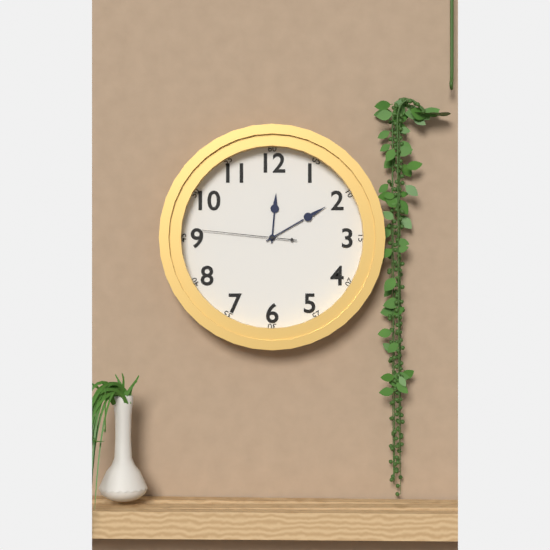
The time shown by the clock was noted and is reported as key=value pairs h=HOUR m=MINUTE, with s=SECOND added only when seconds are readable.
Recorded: h=12 m=10 s=46
